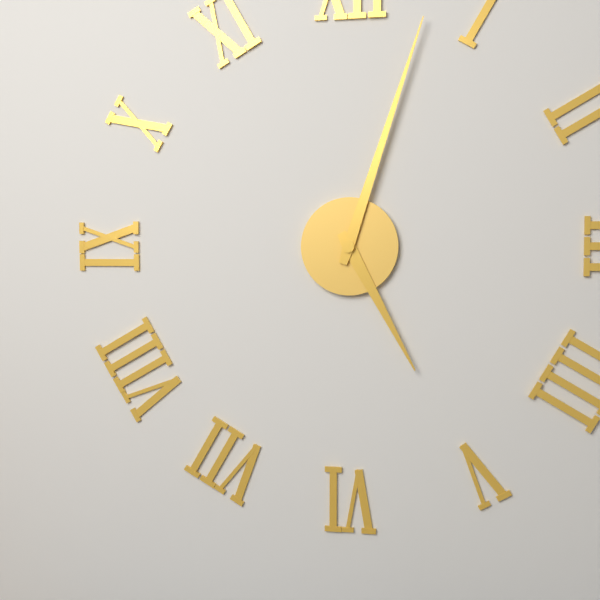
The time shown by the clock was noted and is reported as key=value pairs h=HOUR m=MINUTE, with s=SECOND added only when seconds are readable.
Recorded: h=5 m=3
